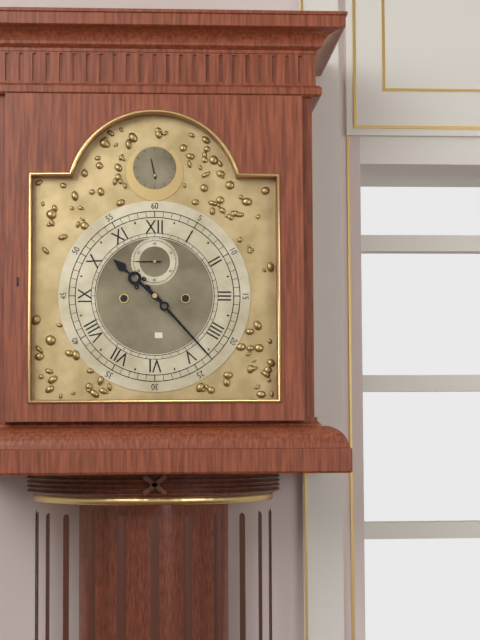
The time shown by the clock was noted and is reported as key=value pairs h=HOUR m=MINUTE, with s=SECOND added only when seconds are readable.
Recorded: h=10 m=23
